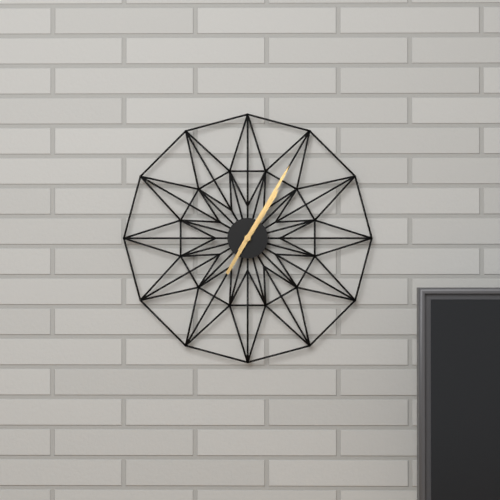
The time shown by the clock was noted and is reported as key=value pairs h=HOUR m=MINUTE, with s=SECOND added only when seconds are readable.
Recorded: h=1 m=5
